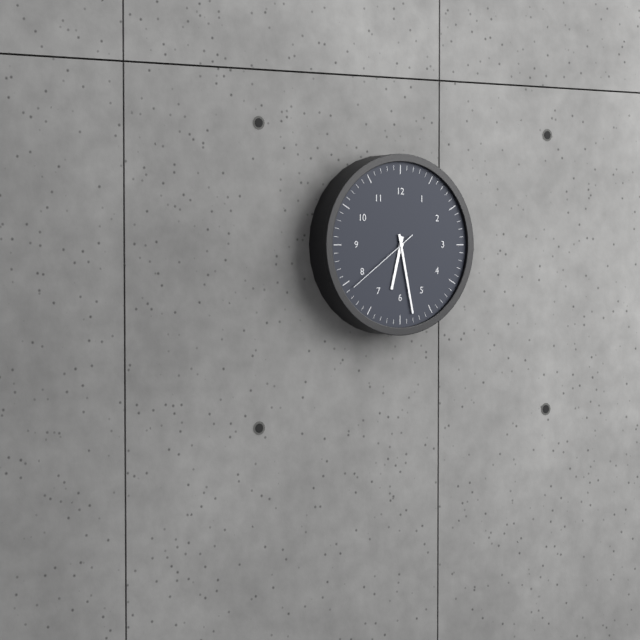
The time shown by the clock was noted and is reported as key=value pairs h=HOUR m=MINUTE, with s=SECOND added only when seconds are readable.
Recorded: h=6 m=28 s=39
